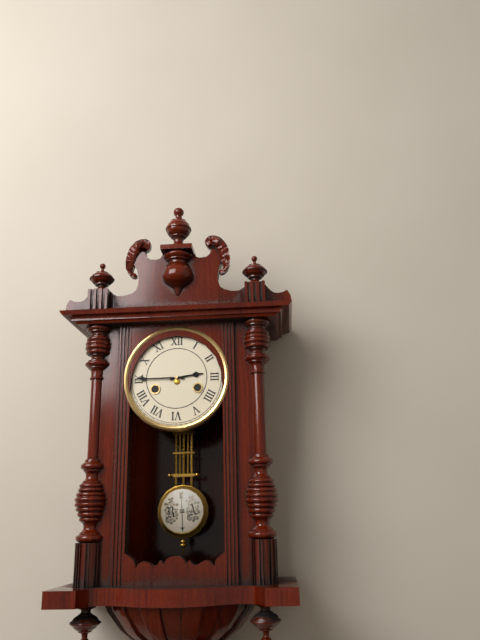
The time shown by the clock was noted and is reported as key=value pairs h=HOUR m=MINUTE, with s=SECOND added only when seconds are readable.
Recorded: h=2 m=45
